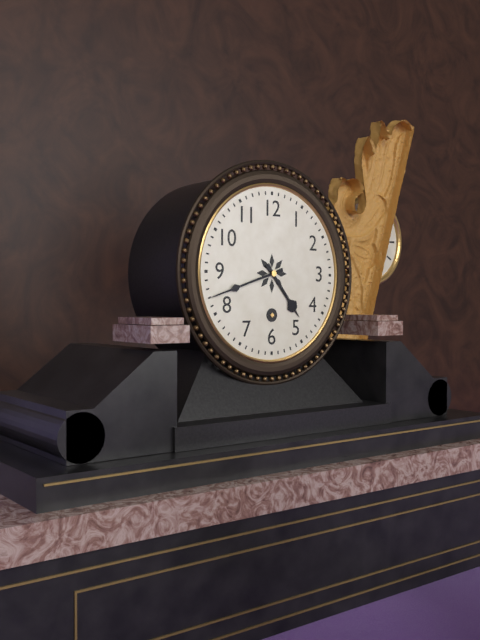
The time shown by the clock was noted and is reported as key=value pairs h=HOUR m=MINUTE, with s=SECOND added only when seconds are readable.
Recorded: h=4 m=42
